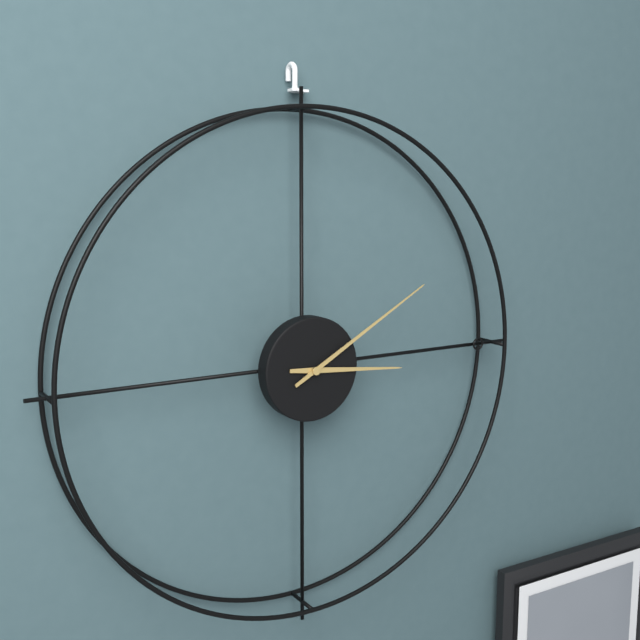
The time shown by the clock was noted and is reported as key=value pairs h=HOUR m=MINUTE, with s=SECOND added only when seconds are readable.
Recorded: h=3 m=10
